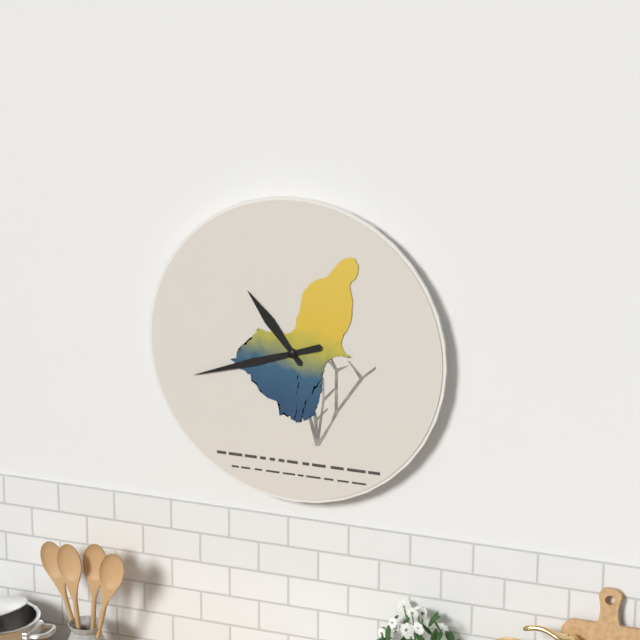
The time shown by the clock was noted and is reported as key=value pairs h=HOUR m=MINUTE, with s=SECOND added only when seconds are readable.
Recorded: h=10 m=42
